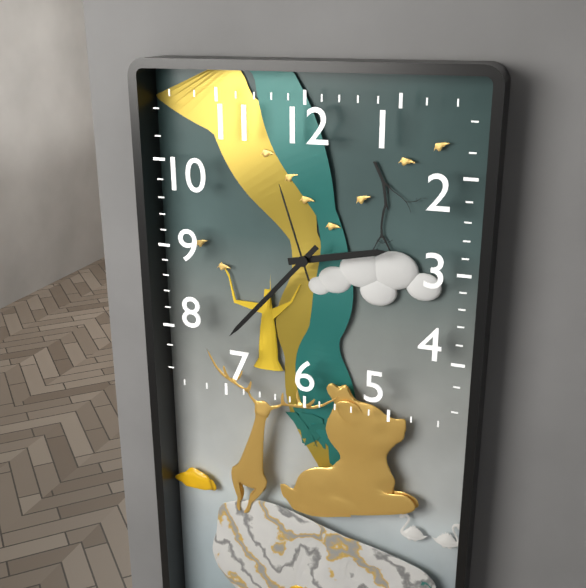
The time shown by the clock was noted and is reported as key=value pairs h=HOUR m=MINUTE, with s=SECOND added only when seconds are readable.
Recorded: h=2 m=37 s=57
